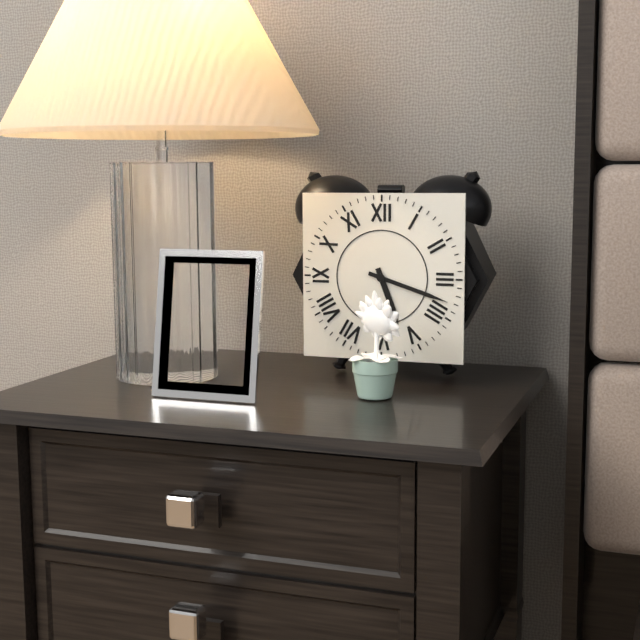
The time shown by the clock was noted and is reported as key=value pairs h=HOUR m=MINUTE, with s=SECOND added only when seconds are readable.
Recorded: h=5 m=18
